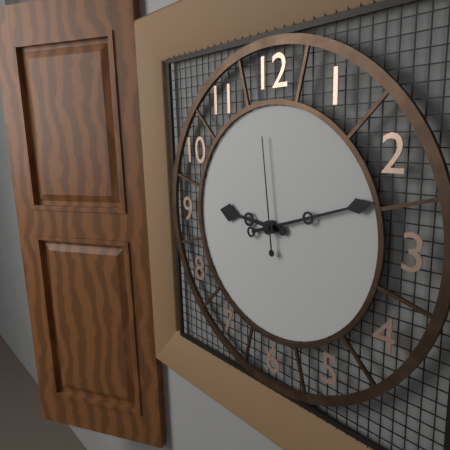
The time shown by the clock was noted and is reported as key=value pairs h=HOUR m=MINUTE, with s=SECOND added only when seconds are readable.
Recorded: h=9 m=12 s=59
